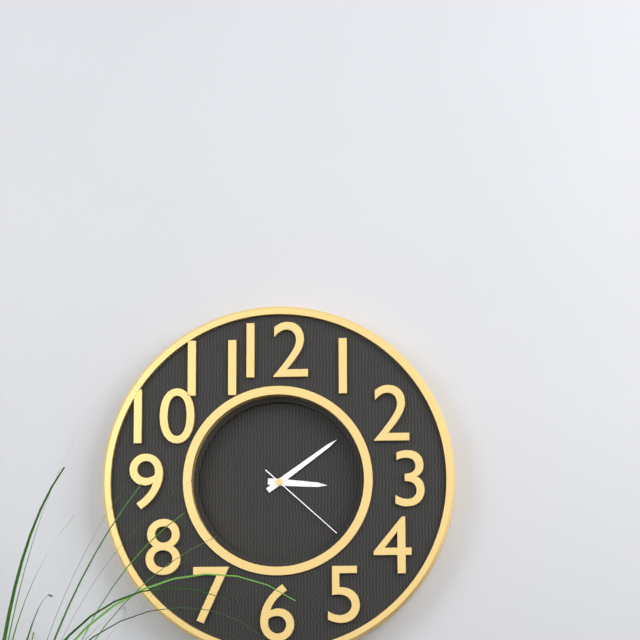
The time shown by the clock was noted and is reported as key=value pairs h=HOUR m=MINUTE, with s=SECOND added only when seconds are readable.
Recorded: h=3 m=9 s=22
